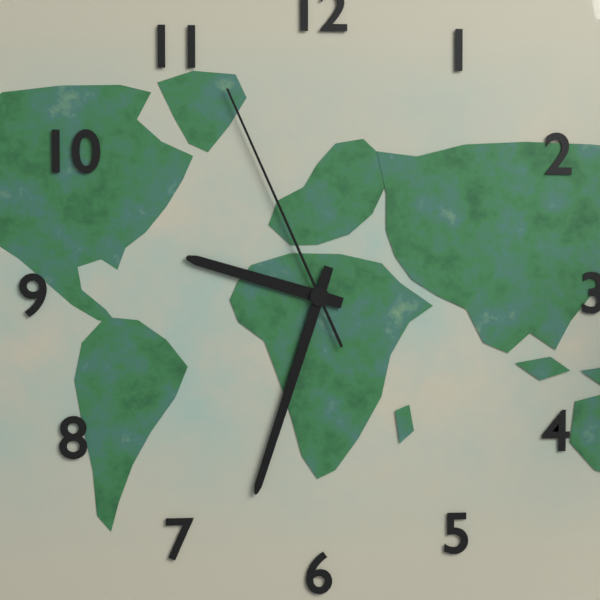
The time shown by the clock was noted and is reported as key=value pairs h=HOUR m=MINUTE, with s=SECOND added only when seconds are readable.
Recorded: h=9 m=33 s=56
